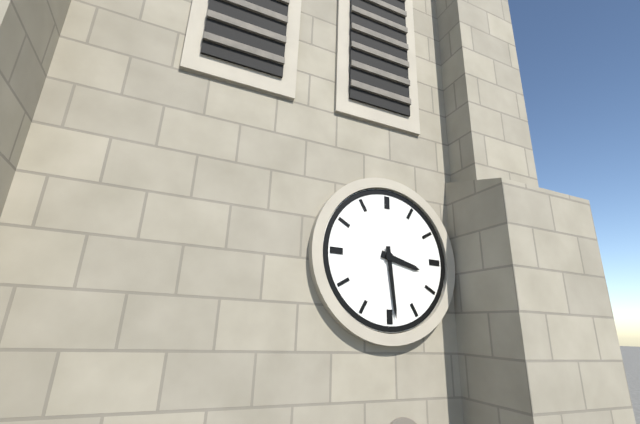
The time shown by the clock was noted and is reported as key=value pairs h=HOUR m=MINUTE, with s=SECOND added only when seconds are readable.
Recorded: h=3 m=29
